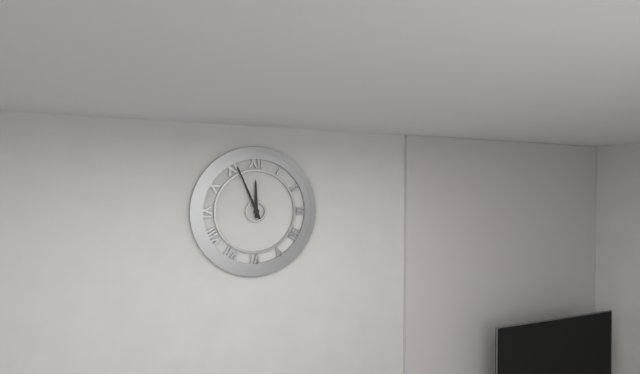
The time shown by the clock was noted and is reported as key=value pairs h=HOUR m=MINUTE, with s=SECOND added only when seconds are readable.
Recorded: h=11 m=56
